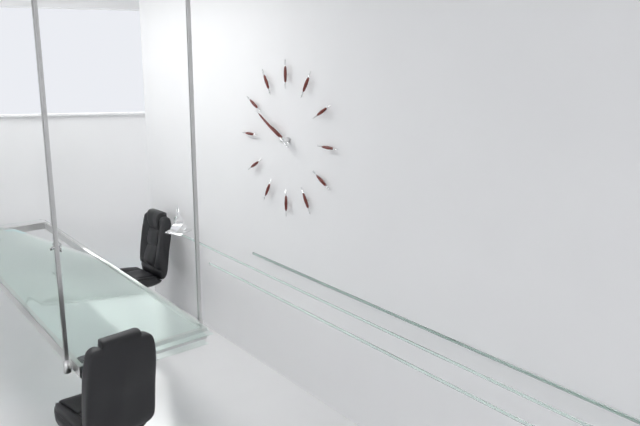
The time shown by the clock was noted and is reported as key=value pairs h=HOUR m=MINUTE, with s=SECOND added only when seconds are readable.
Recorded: h=9 m=50
